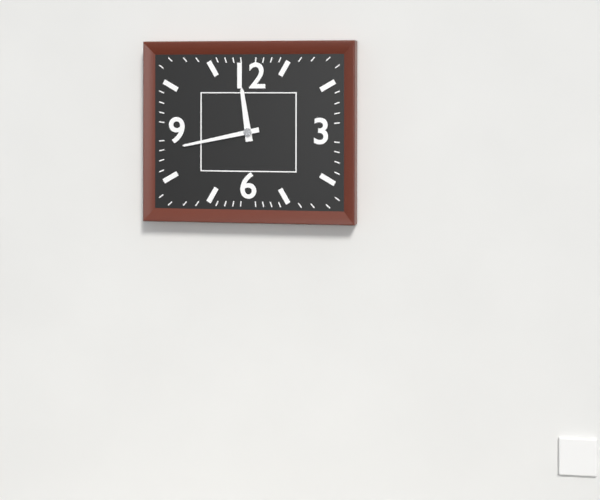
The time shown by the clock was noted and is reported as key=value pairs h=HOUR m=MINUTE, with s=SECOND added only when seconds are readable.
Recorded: h=11 m=43
